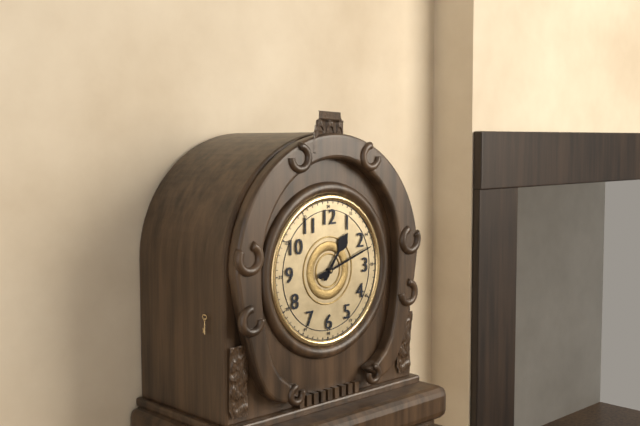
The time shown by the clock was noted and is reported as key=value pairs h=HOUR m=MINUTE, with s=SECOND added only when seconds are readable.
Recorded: h=1 m=12
